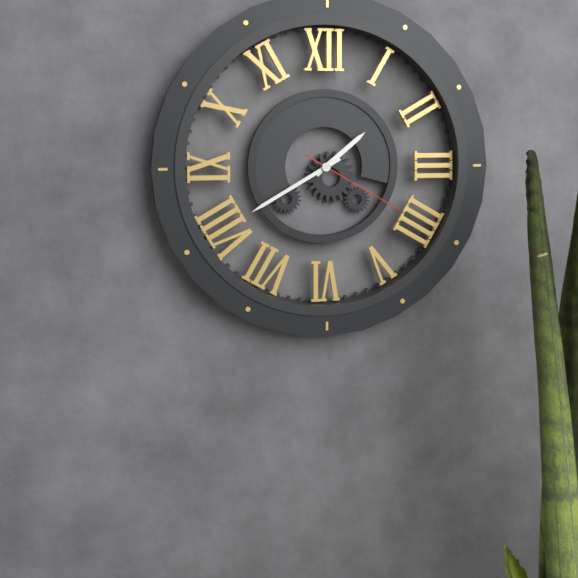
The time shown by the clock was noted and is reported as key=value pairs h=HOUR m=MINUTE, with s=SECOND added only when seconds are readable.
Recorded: h=1 m=40 s=20
